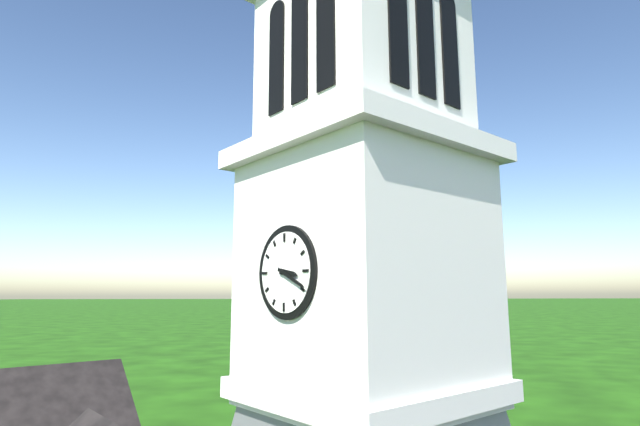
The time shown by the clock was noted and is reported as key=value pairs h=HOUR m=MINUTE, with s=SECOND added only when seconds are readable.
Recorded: h=3 m=19
